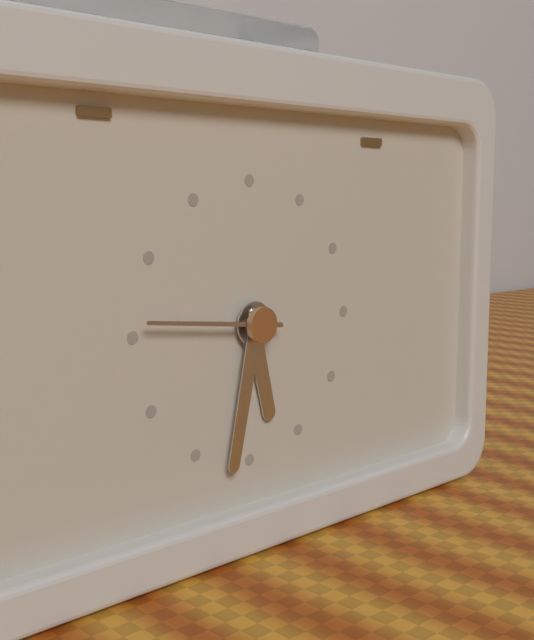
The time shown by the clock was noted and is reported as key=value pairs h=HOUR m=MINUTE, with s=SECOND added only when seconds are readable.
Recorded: h=5 m=32 s=46
